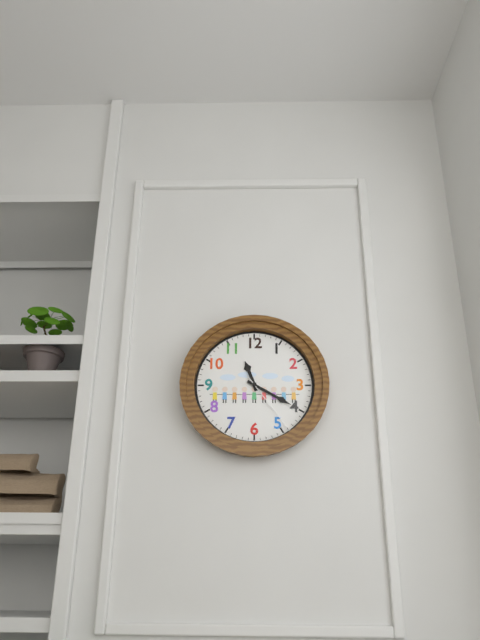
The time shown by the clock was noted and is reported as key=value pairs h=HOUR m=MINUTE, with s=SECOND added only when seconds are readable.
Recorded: h=11 m=20 s=24
